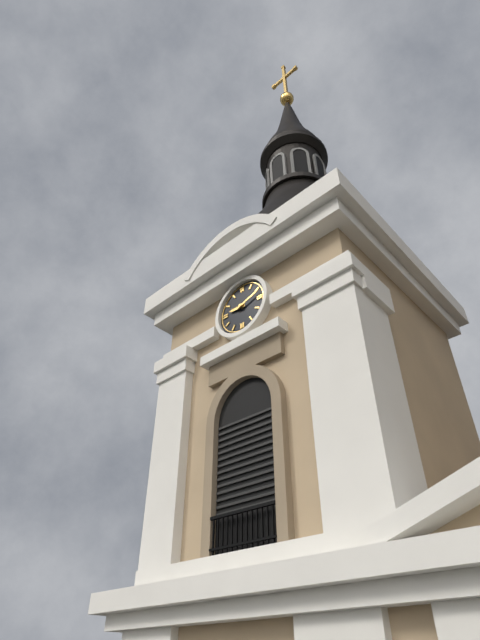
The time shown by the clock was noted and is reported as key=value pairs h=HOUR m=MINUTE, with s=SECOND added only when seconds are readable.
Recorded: h=9 m=12
